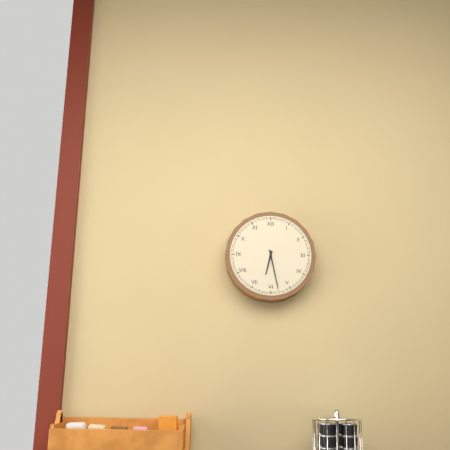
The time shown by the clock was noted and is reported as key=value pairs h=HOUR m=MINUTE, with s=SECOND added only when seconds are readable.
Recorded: h=6 m=28
